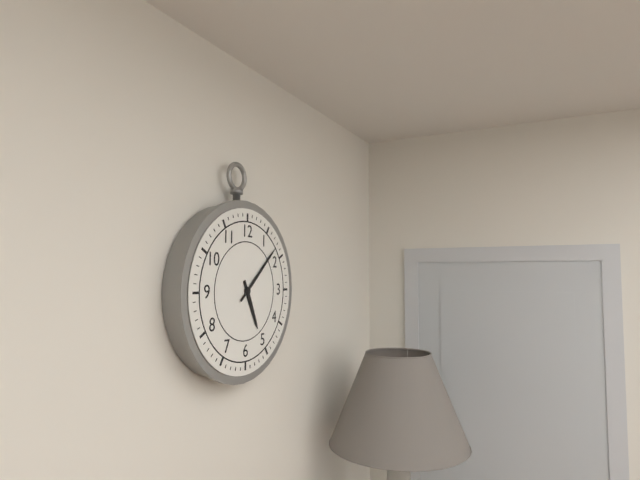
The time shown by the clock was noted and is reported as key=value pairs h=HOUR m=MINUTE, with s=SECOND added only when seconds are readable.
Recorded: h=5 m=8
